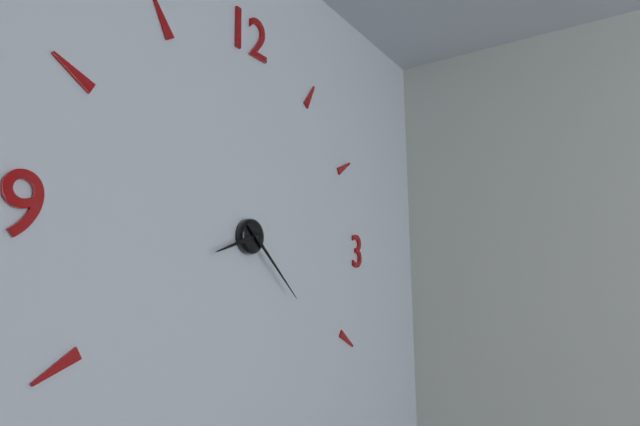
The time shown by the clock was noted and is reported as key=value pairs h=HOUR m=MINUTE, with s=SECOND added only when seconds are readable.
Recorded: h=8 m=22
